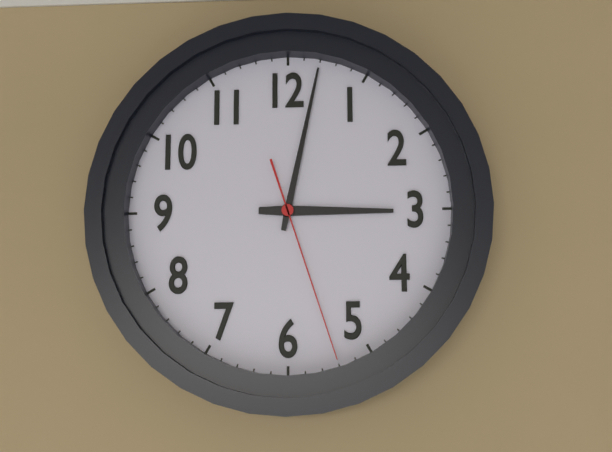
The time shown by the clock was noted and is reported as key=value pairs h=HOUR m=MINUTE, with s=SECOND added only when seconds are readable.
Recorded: h=3 m=2 s=27
